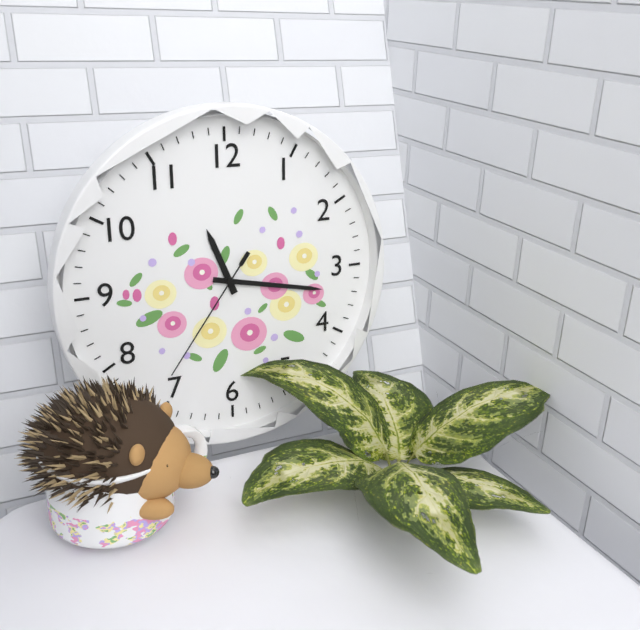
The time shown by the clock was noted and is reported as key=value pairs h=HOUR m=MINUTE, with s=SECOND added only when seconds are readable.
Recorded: h=11 m=17 s=36
